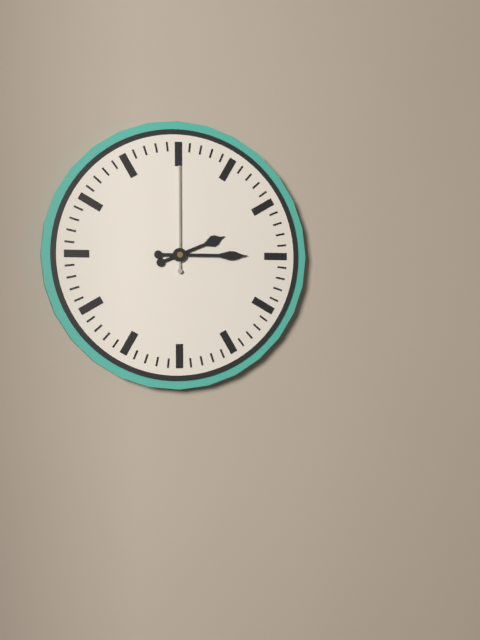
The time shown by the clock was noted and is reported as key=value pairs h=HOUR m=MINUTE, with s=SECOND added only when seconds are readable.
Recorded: h=2 m=15 s=0
